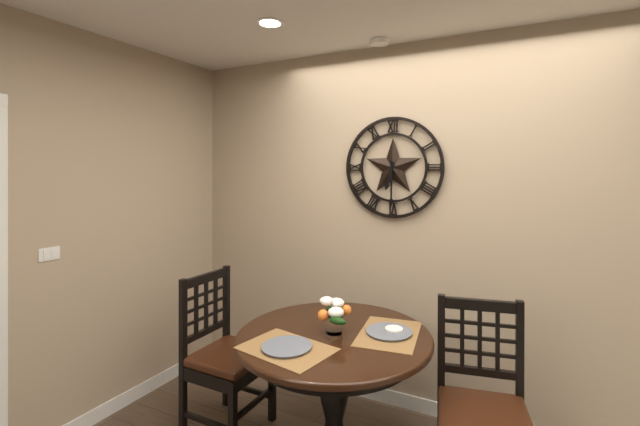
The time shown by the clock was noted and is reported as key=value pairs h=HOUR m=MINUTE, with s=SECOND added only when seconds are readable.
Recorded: h=6 m=30
